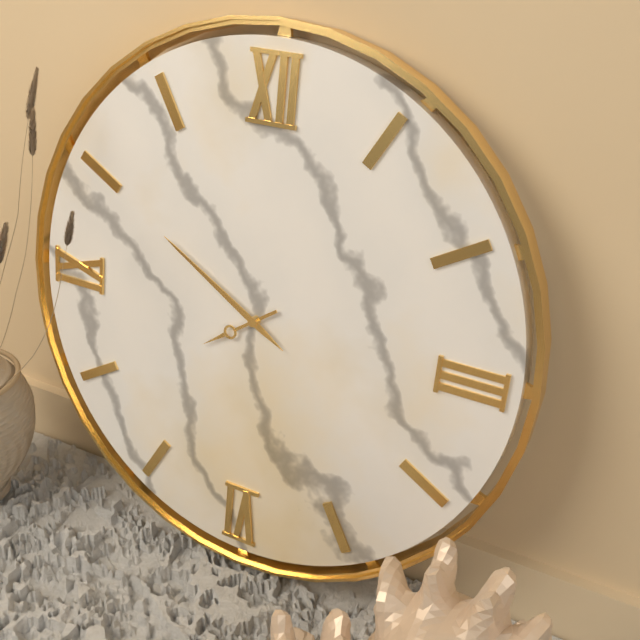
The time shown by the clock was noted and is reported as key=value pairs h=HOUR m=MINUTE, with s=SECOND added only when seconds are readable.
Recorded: h=7 m=50
